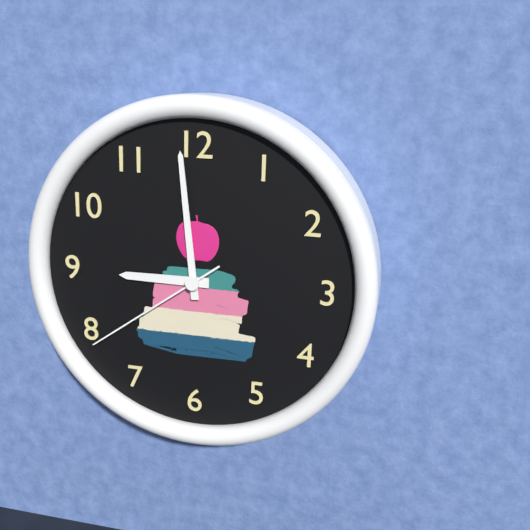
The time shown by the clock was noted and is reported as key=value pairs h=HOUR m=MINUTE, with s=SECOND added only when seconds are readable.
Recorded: h=8 m=59 s=39
